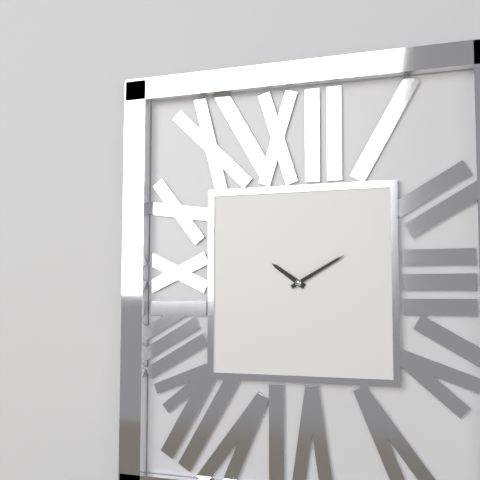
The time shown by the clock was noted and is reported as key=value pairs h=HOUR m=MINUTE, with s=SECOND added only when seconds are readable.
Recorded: h=10 m=10
